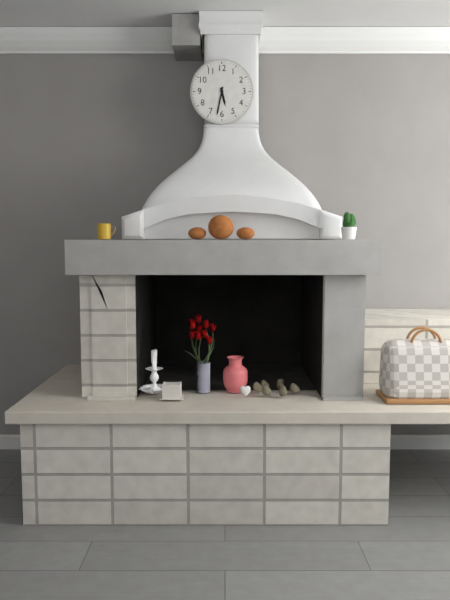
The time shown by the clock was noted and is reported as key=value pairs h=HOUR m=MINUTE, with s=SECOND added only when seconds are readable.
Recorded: h=5 m=32
